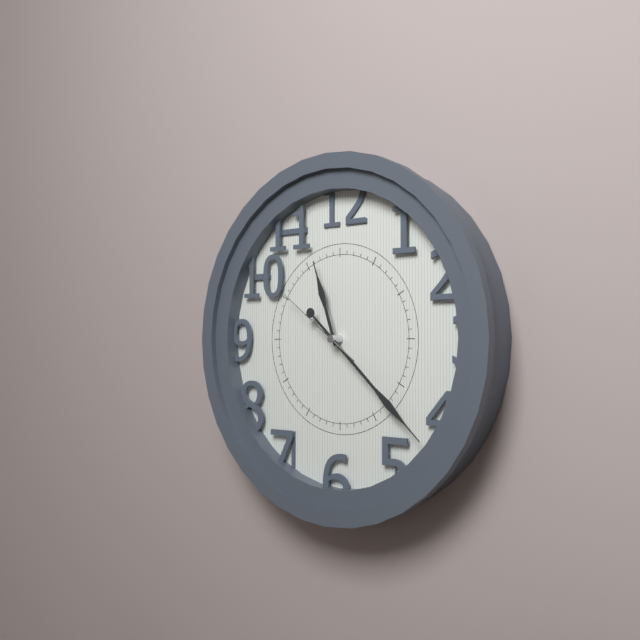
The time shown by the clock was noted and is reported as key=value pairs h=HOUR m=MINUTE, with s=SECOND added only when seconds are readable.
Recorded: h=11 m=22 s=51
